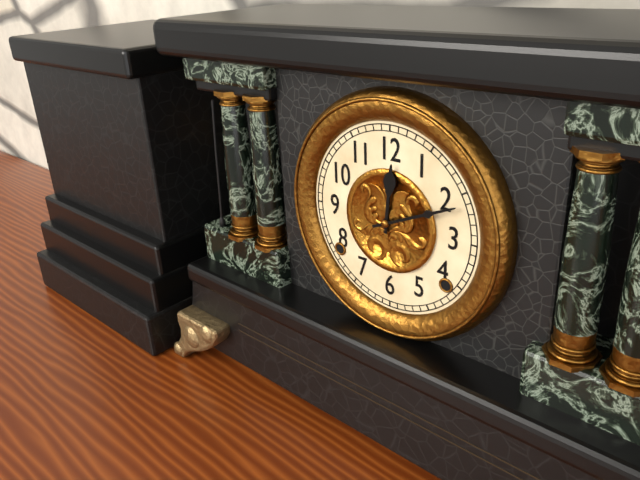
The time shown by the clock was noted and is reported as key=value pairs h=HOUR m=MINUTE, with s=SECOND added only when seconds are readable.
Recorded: h=12 m=11
